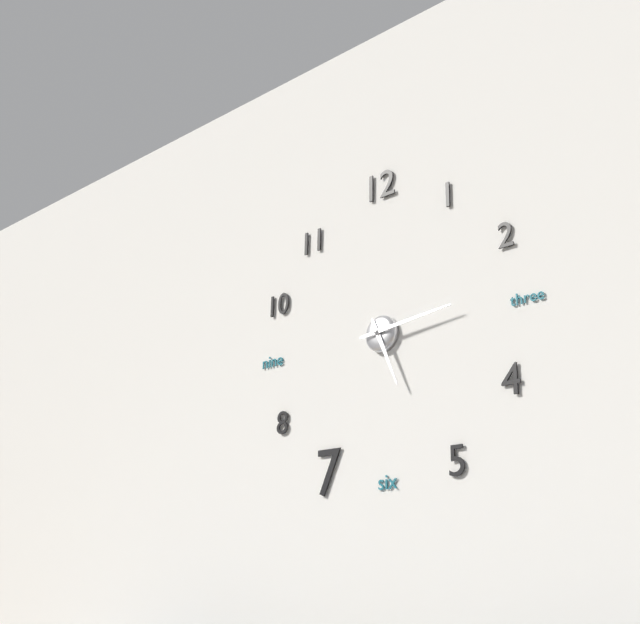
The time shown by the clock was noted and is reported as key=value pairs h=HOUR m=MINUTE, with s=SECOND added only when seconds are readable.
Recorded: h=5 m=14
